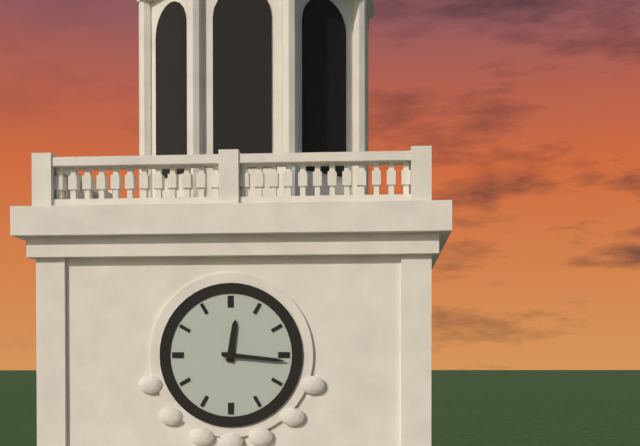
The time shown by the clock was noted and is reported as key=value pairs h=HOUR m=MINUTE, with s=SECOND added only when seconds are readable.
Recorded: h=12 m=16
